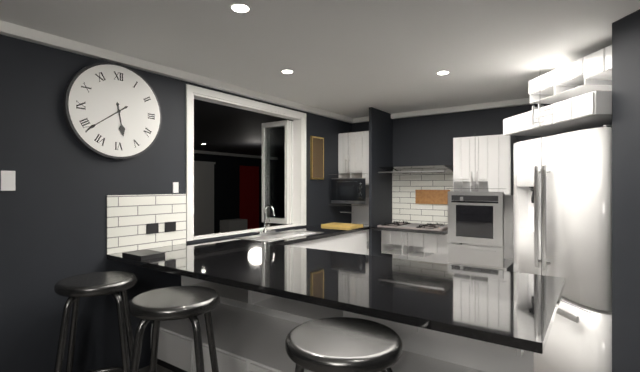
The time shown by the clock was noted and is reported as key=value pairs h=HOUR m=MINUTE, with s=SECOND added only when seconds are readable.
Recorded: h=5 m=39
